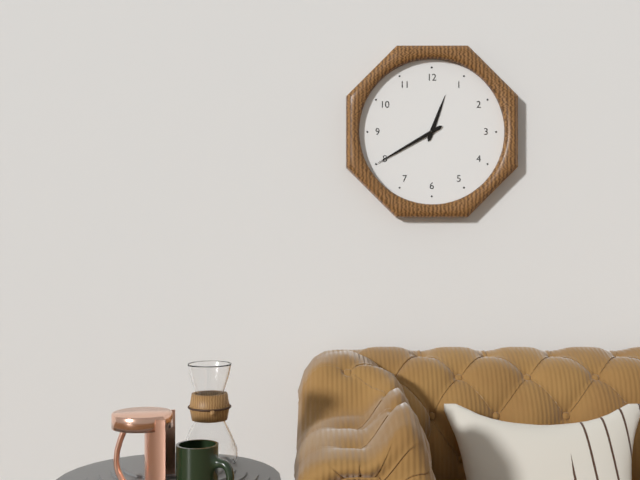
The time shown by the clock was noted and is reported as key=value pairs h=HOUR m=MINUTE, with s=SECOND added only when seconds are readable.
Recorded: h=12 m=40
